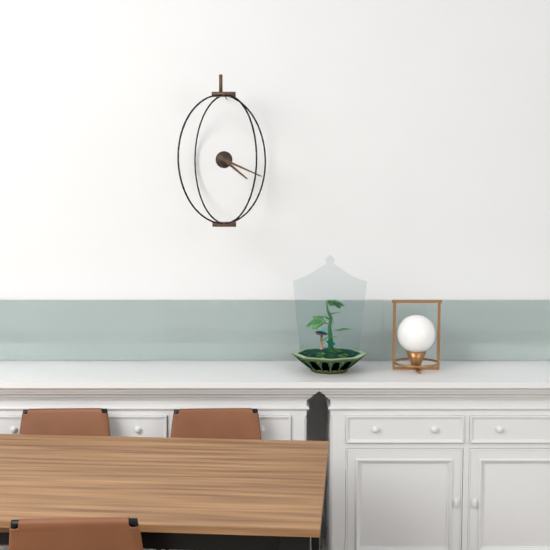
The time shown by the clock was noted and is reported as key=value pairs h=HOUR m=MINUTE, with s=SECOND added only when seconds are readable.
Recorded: h=4 m=19
